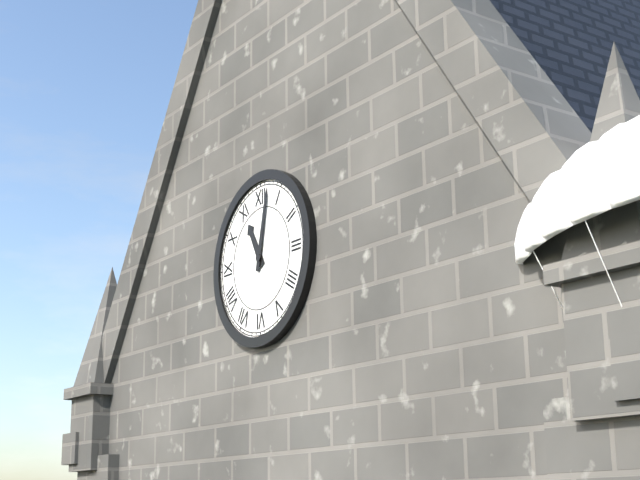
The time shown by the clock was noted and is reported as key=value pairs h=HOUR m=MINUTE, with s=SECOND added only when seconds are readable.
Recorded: h=11 m=2
